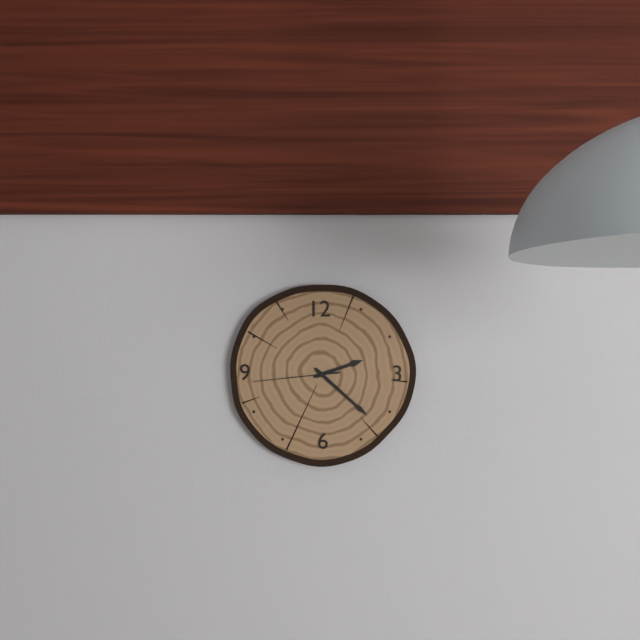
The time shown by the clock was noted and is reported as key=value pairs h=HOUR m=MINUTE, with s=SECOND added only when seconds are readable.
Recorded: h=2 m=22 s=44
